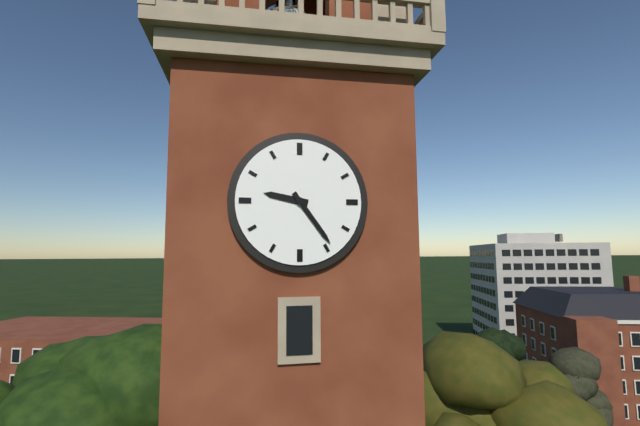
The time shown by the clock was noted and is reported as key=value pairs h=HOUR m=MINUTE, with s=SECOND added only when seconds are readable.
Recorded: h=9 m=24
